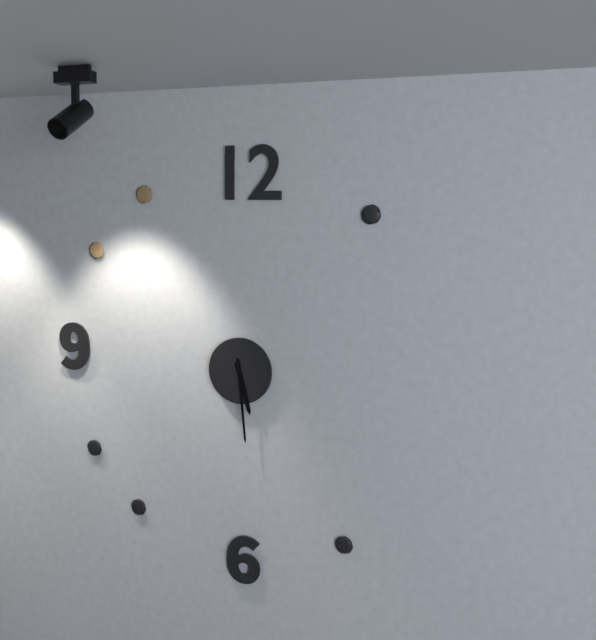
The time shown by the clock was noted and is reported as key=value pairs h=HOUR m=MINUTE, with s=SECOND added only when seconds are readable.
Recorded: h=5 m=29
